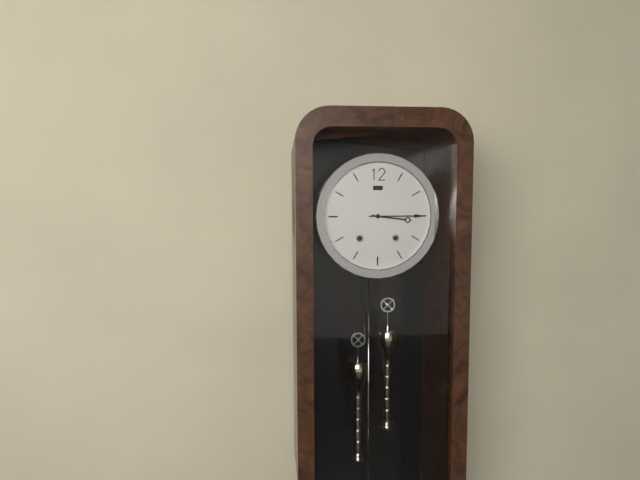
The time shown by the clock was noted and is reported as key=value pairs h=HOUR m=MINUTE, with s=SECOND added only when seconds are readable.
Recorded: h=3 m=15
